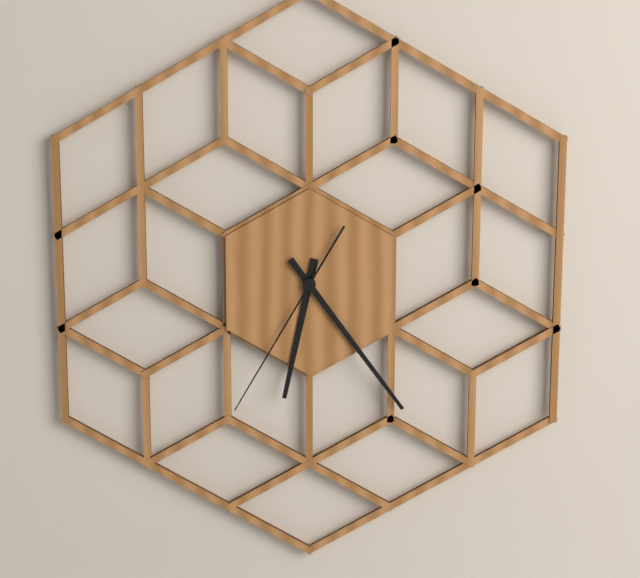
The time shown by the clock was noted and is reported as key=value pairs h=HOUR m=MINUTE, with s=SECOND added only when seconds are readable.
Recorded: h=6 m=24 s=35
